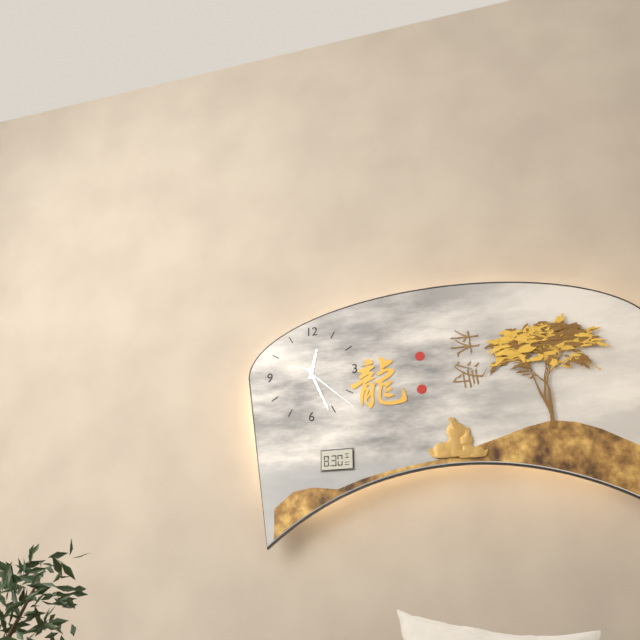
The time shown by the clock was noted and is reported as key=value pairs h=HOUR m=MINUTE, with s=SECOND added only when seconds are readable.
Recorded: h=12 m=26 s=22
